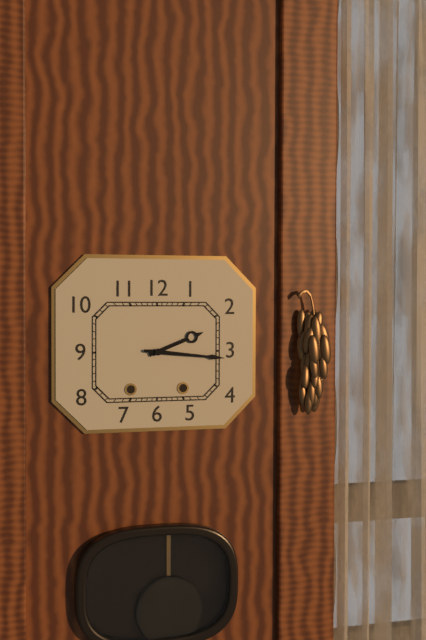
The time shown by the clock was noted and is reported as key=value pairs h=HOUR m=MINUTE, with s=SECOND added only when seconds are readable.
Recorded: h=2 m=16
